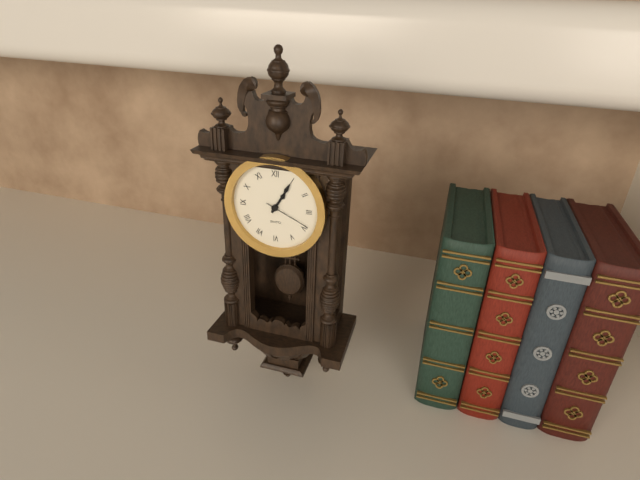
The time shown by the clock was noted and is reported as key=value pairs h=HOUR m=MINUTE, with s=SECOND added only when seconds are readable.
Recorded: h=1 m=5
